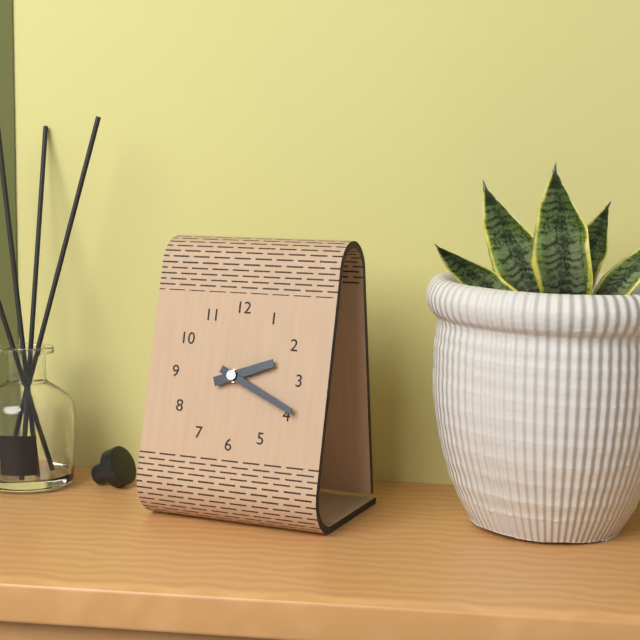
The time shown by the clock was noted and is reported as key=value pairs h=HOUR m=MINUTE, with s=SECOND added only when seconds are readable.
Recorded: h=2 m=19
